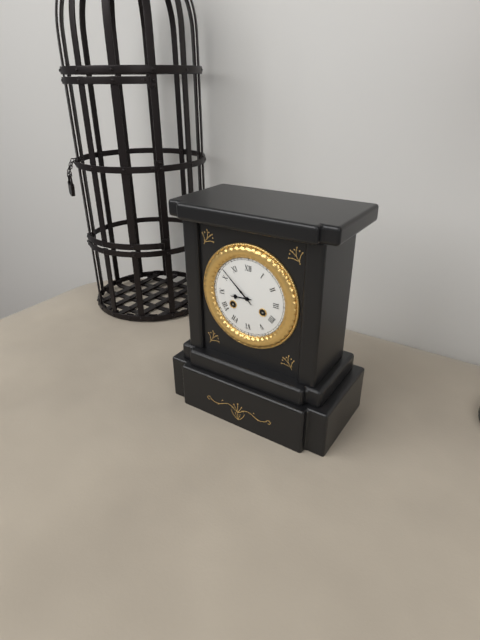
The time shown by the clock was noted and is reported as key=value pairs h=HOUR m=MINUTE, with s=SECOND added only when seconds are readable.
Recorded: h=8 m=52
